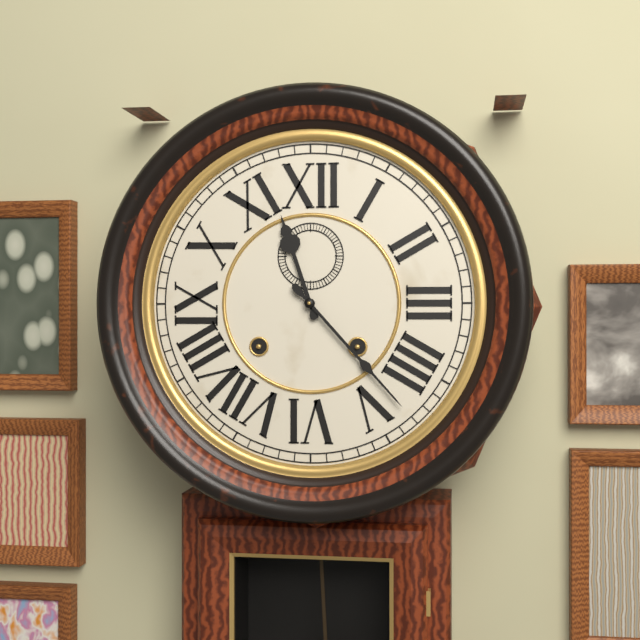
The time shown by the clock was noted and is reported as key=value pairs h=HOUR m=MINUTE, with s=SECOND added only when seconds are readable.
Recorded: h=11 m=23
